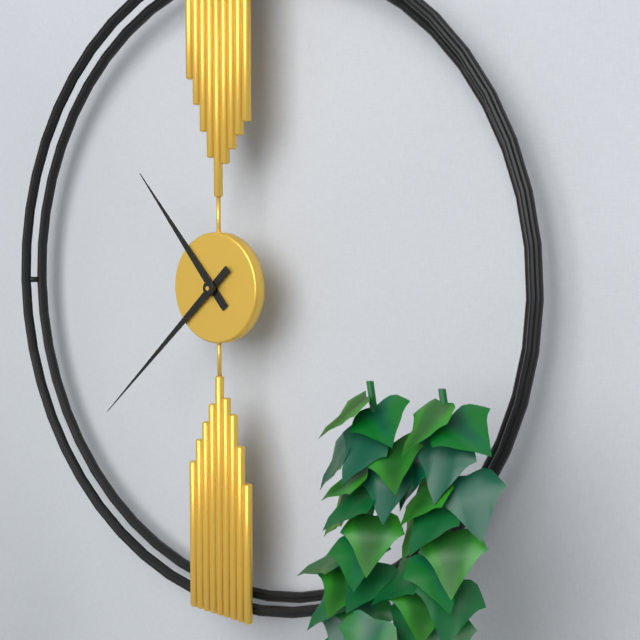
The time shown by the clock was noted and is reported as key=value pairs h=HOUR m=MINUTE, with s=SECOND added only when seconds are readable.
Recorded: h=10 m=38
